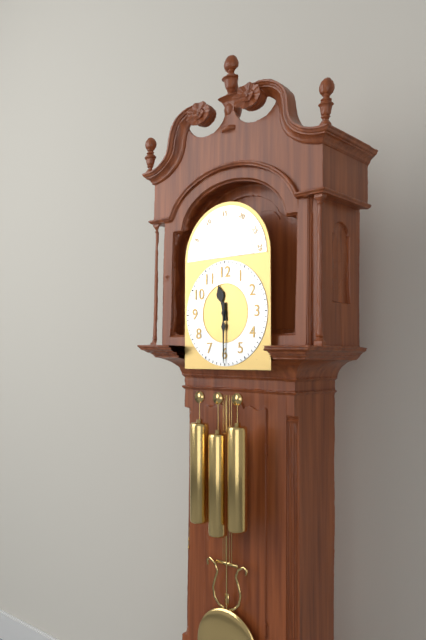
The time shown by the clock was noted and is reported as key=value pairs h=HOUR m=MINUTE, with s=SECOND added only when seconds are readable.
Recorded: h=11 m=30
